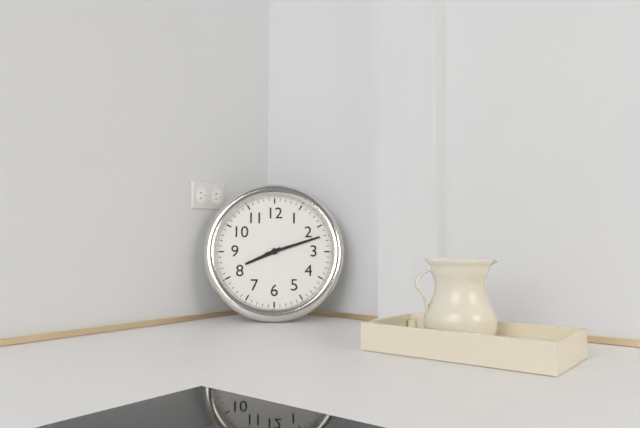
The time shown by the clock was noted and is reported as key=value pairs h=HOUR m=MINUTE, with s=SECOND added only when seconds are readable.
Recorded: h=8 m=12
